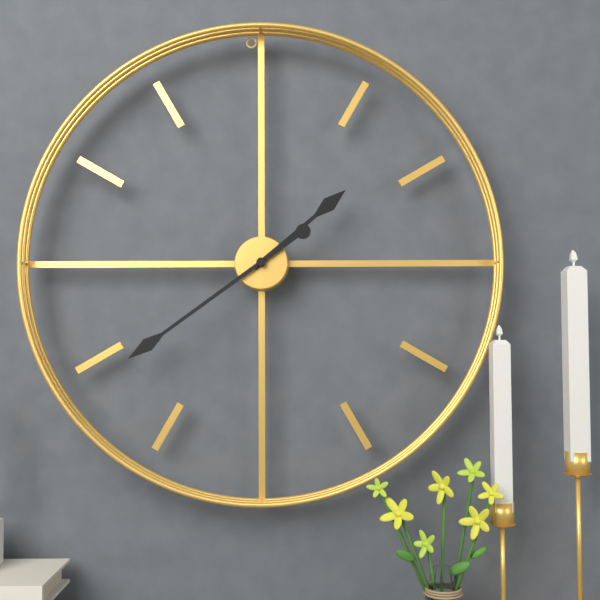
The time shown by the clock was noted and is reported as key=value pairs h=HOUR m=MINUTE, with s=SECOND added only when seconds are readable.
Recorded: h=1 m=39
